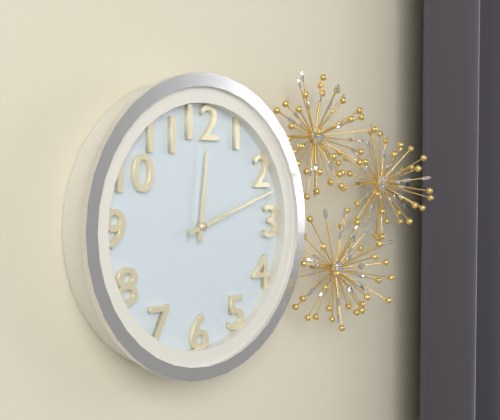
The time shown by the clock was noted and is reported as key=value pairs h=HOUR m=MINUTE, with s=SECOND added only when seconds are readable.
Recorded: h=12 m=12
